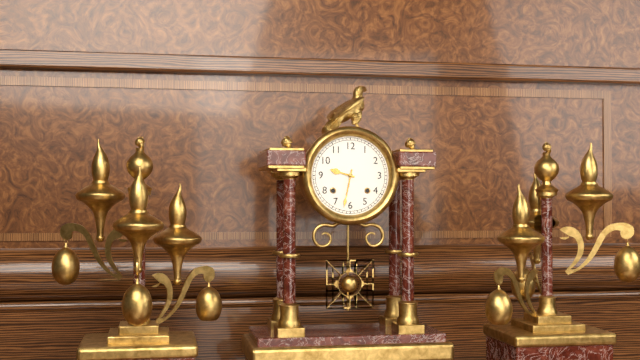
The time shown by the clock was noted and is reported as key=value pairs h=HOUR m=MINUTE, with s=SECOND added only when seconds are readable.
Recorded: h=9 m=32
